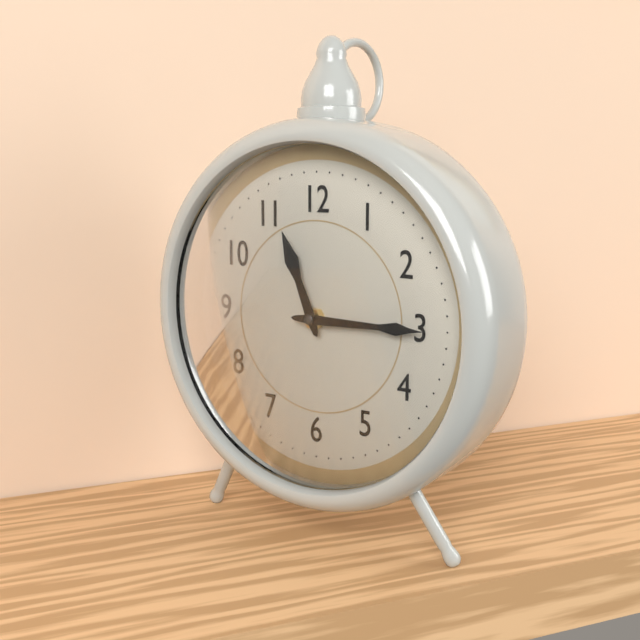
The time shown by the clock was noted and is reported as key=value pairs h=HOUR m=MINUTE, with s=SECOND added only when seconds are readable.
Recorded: h=11 m=15
